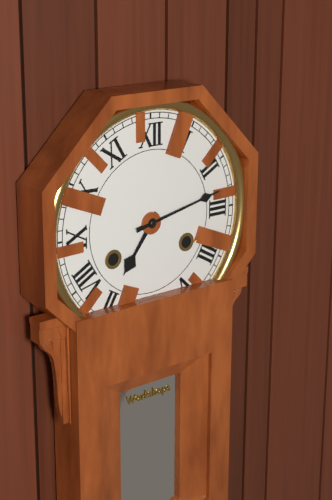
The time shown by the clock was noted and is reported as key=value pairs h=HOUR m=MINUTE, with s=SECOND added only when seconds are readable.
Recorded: h=7 m=13
